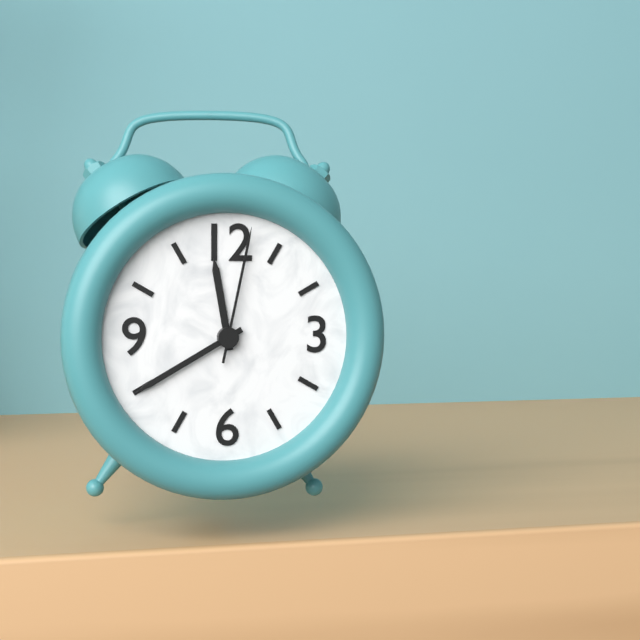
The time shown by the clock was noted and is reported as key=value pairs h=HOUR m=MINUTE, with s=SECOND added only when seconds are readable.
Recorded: h=11 m=40 s=2
